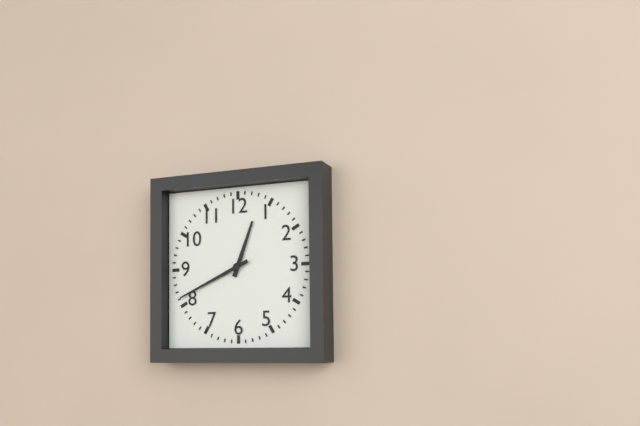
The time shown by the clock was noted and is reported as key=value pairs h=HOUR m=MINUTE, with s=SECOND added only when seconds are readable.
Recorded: h=12 m=41
